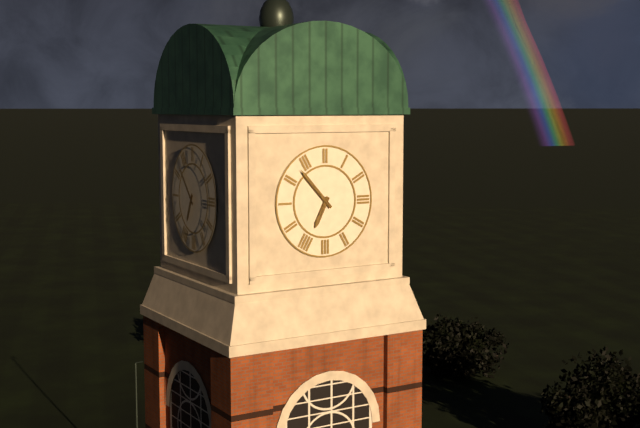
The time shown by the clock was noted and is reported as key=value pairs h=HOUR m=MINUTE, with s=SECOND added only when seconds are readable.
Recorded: h=6 m=53
